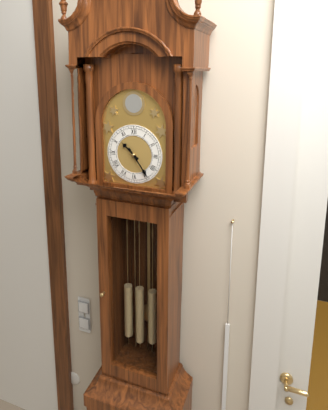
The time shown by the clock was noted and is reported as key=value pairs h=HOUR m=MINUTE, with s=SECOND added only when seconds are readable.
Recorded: h=10 m=24
